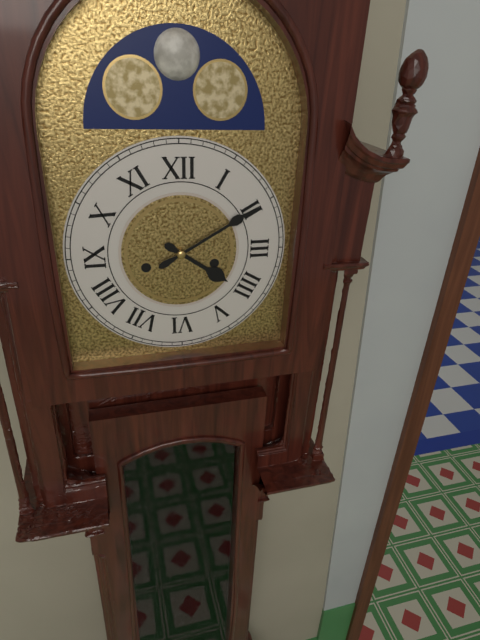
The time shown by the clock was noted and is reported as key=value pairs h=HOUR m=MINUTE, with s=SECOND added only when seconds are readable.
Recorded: h=4 m=10
